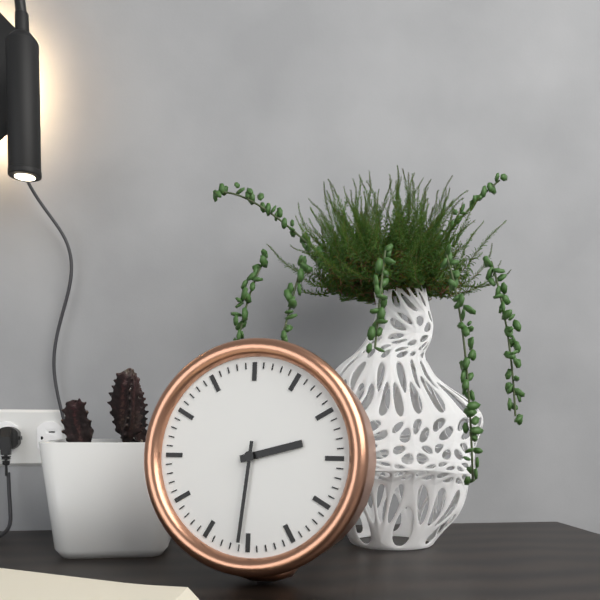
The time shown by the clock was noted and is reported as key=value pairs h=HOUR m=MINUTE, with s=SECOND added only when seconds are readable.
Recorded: h=2 m=31
